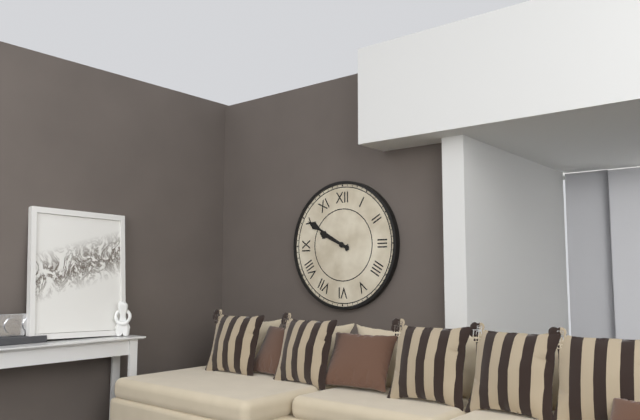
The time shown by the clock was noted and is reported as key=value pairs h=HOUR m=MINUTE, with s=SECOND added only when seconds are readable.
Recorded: h=9 m=50
